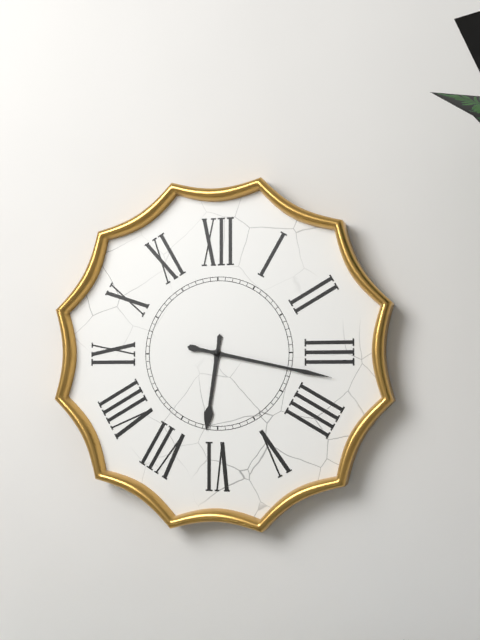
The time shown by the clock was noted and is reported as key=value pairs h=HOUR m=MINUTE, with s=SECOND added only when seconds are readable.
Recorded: h=6 m=17
